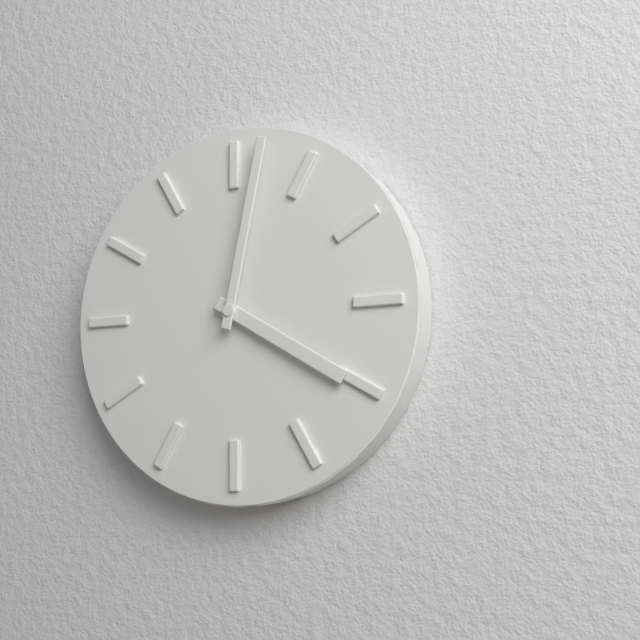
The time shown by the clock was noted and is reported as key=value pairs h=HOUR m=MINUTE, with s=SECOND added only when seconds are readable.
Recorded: h=4 m=2
